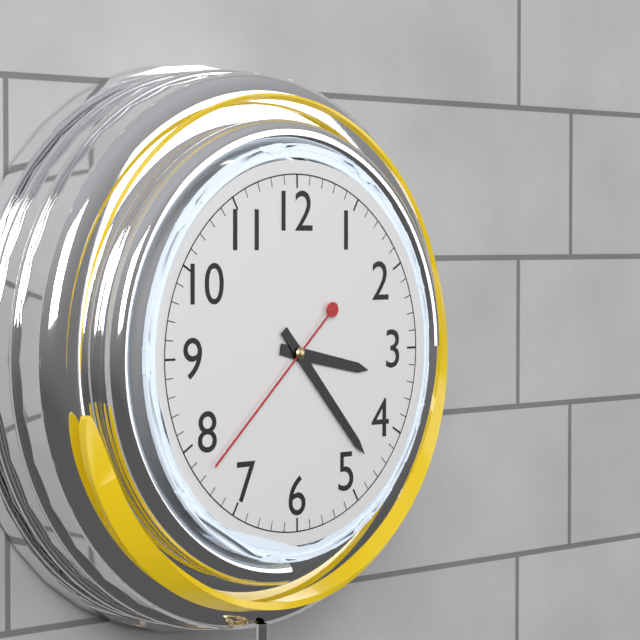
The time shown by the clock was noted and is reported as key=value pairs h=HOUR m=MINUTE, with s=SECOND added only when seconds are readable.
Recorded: h=3 m=23 s=38
